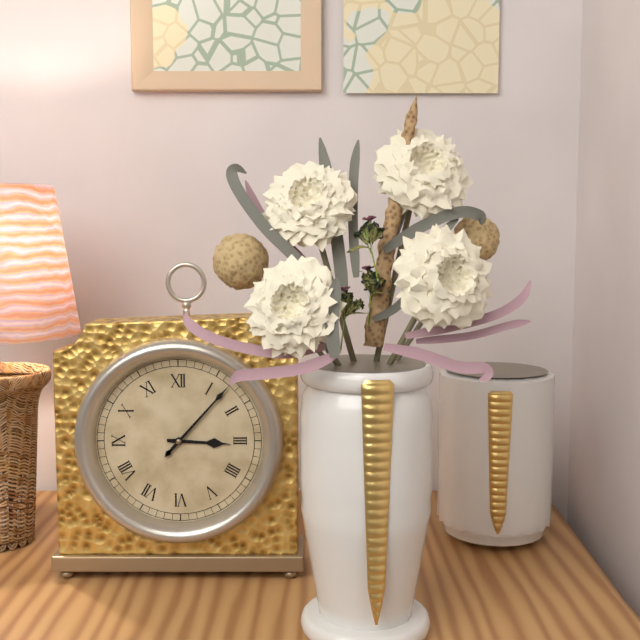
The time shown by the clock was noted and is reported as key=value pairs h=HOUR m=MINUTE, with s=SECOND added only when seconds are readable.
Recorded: h=3 m=7
